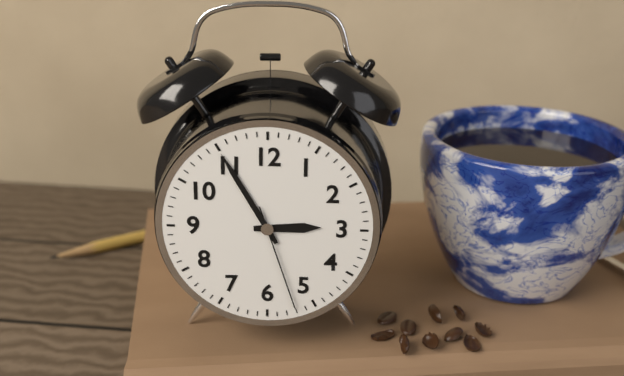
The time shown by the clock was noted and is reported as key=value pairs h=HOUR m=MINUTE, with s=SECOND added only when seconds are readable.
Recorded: h=2 m=55 s=27
